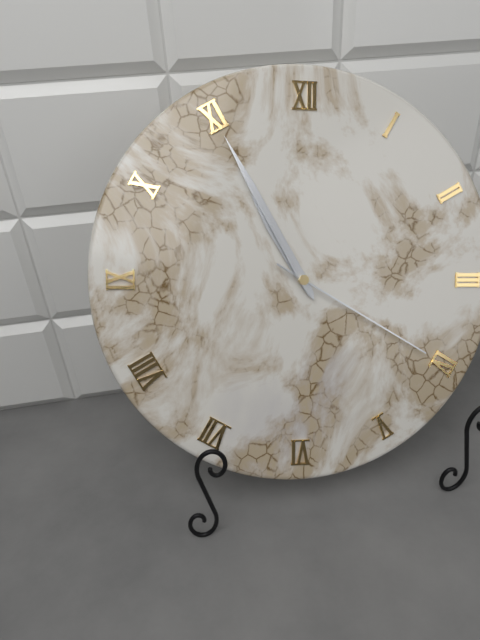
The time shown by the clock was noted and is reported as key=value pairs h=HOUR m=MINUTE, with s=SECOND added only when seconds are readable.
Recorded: h=10 m=55 s=20
